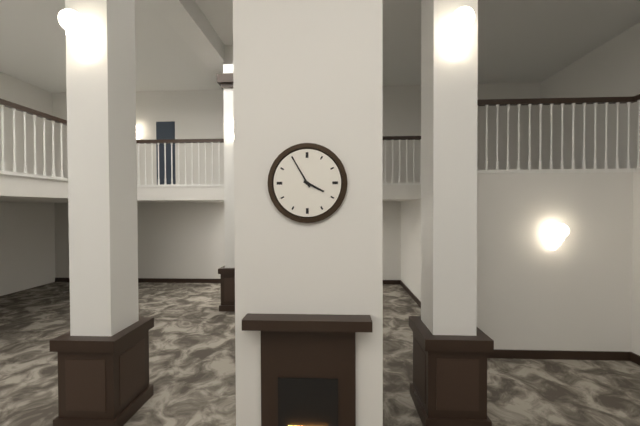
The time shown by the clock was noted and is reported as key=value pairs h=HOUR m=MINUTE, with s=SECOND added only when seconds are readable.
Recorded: h=3 m=55
